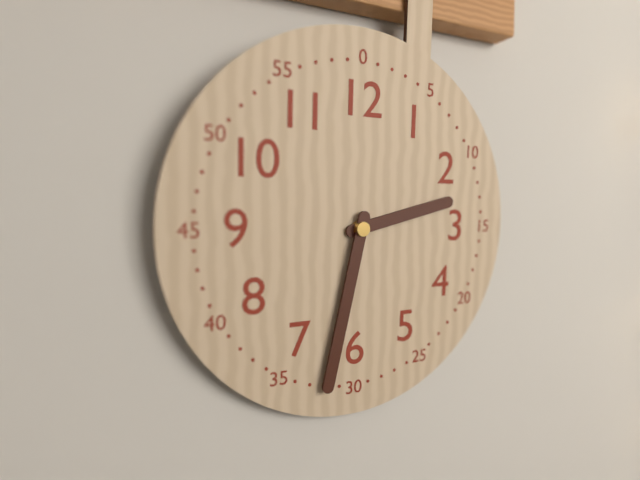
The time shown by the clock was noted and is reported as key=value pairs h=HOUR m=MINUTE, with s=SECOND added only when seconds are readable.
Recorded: h=2 m=32
